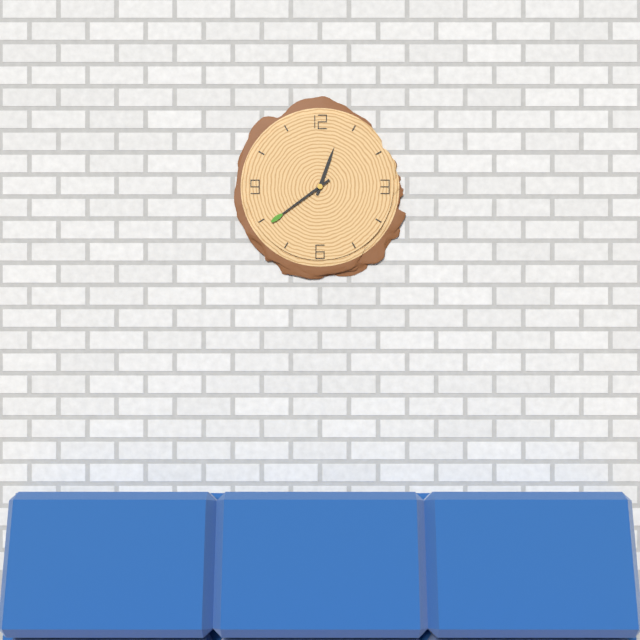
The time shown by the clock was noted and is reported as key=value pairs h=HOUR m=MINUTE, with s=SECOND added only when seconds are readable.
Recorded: h=12 m=39
